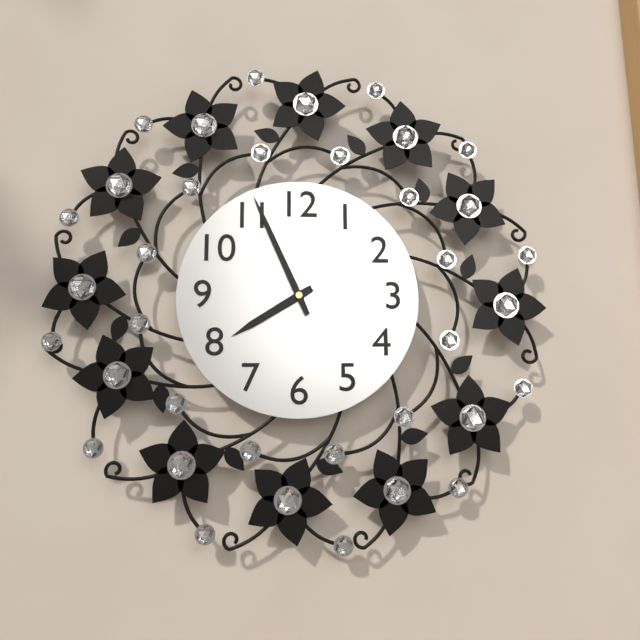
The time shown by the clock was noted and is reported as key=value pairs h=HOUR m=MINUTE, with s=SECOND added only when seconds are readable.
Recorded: h=7 m=56
